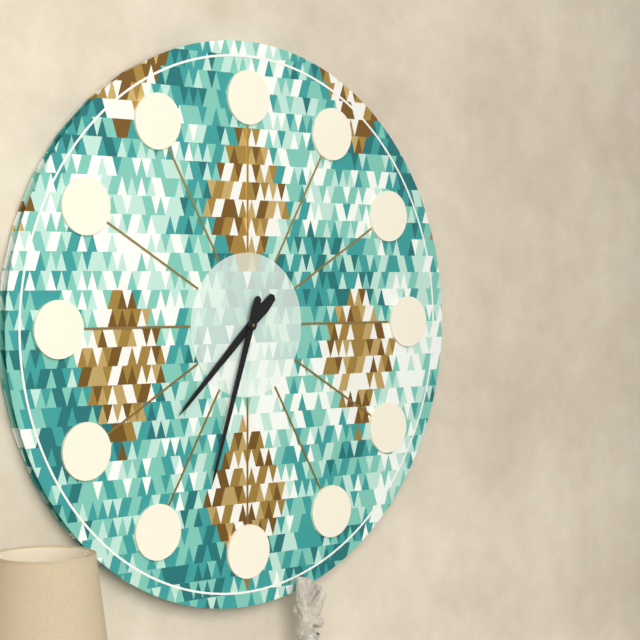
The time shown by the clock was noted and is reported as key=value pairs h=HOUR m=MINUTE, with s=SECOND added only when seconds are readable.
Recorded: h=7 m=33
